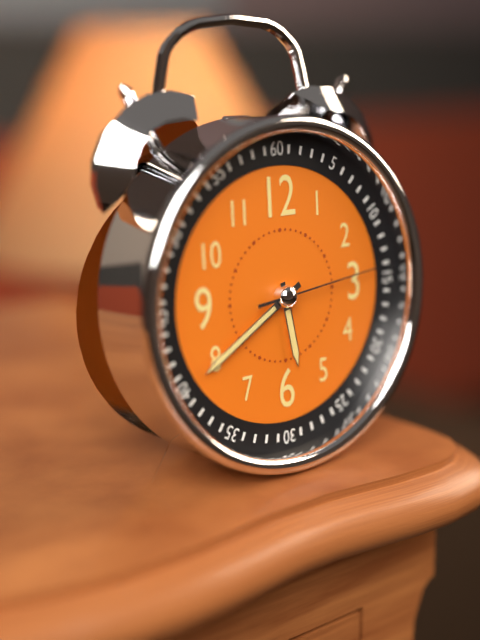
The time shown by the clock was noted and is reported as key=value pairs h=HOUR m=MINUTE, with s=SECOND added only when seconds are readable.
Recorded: h=5 m=40 s=14
